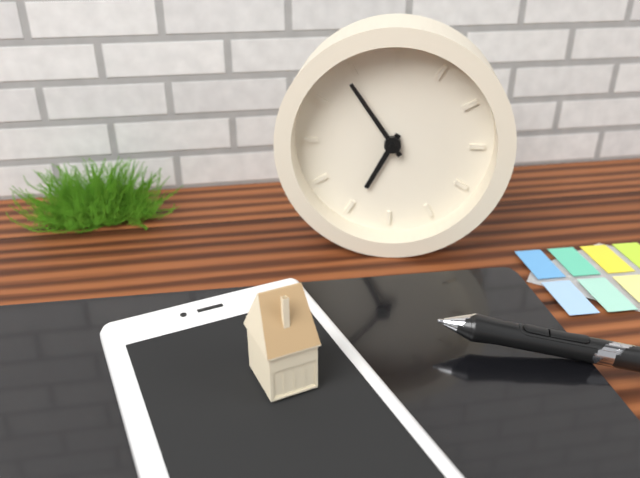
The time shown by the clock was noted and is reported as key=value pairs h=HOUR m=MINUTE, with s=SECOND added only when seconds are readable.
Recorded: h=6 m=54
